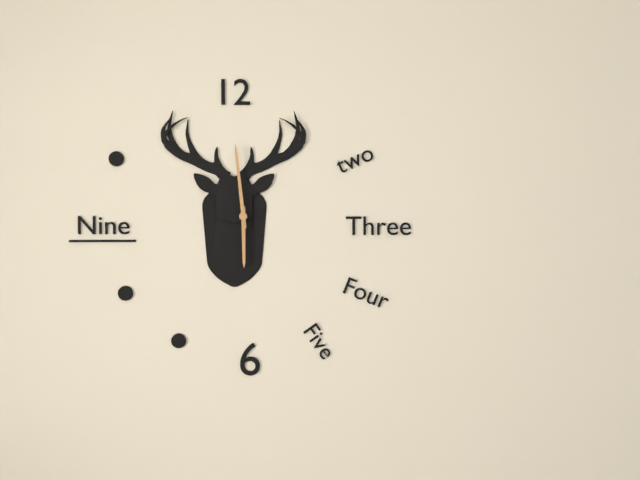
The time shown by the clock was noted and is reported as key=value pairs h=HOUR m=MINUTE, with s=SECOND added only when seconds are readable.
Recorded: h=5 m=59
